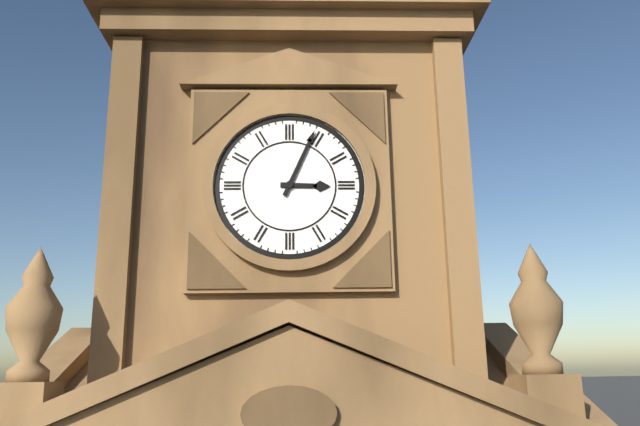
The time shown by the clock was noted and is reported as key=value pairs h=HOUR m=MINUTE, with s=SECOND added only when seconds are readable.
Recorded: h=3 m=4
